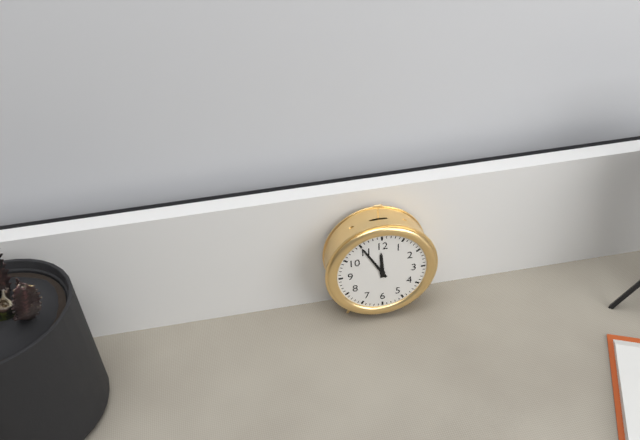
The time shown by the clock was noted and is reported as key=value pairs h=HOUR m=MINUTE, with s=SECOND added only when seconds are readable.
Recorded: h=11 m=55
